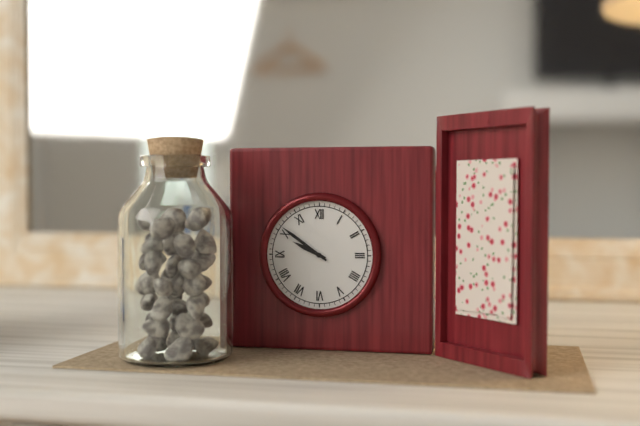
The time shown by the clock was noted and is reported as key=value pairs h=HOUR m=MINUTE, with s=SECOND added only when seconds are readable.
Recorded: h=9 m=51
